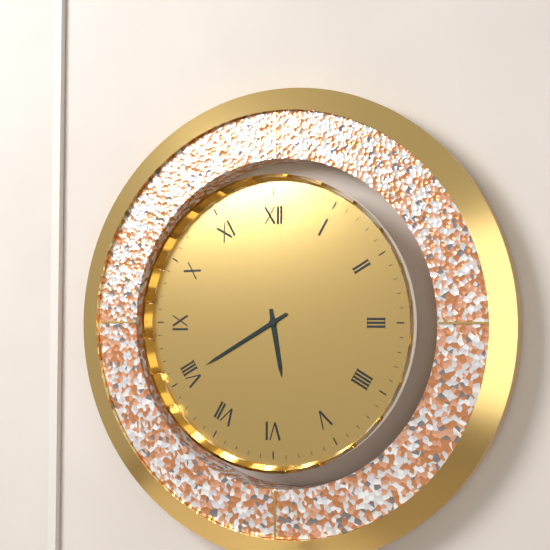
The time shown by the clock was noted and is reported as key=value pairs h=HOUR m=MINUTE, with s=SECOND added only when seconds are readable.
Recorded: h=5 m=40
